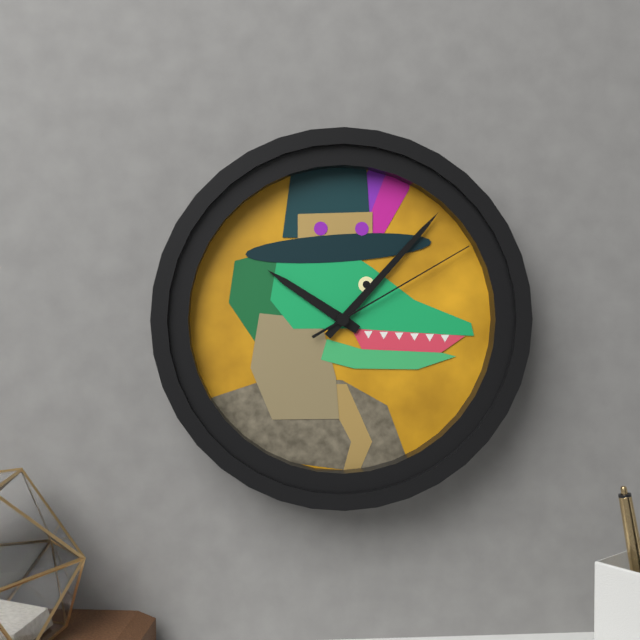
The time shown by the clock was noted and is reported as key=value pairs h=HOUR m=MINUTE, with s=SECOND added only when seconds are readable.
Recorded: h=10 m=7 s=10
